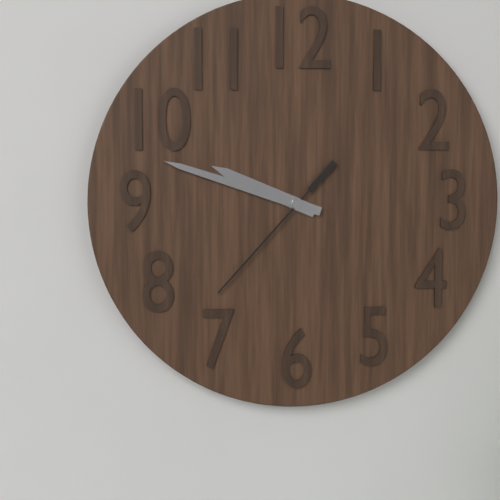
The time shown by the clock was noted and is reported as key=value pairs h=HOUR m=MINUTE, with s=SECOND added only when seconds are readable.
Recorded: h=9 m=48 s=37
